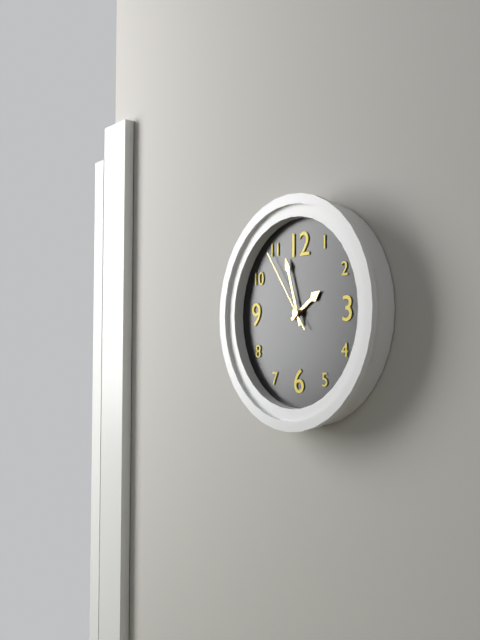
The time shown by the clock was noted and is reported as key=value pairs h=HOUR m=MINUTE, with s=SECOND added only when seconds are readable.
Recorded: h=1 m=57 s=54
